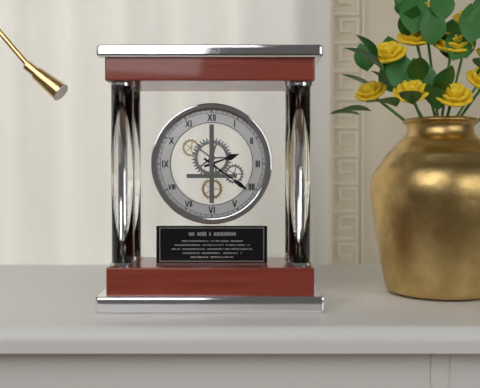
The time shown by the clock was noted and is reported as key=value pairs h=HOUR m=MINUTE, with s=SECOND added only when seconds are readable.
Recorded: h=2 m=21
